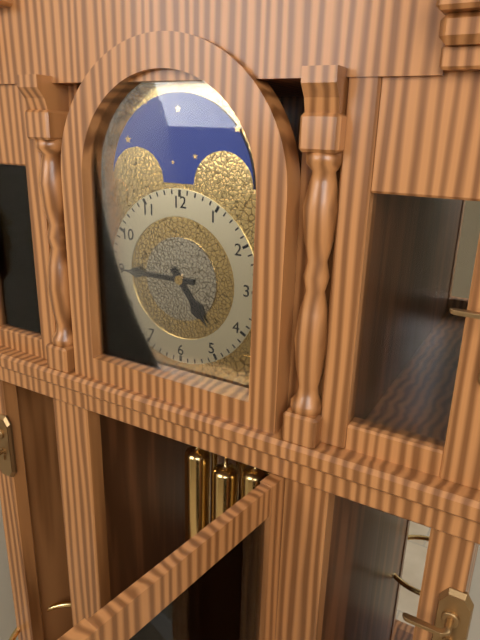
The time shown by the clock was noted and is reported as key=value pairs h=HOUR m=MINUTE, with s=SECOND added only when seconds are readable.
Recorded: h=4 m=45
